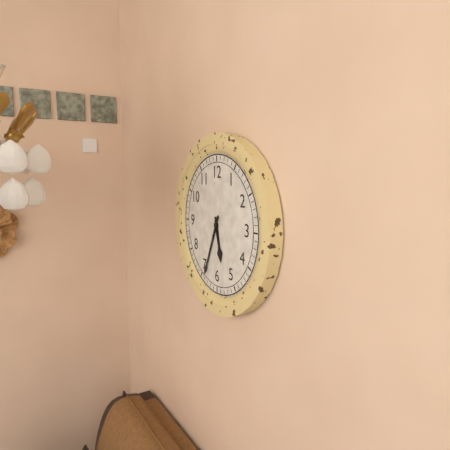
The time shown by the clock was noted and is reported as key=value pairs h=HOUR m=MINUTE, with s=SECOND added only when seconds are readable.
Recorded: h=5 m=34
